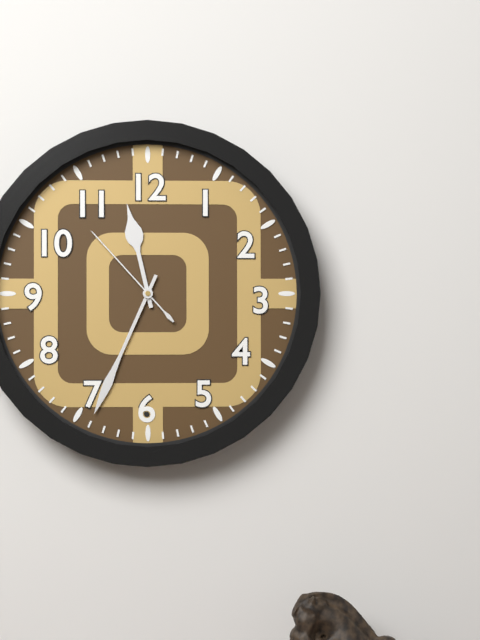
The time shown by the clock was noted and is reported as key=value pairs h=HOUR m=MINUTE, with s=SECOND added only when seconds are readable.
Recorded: h=11 m=34 s=53
